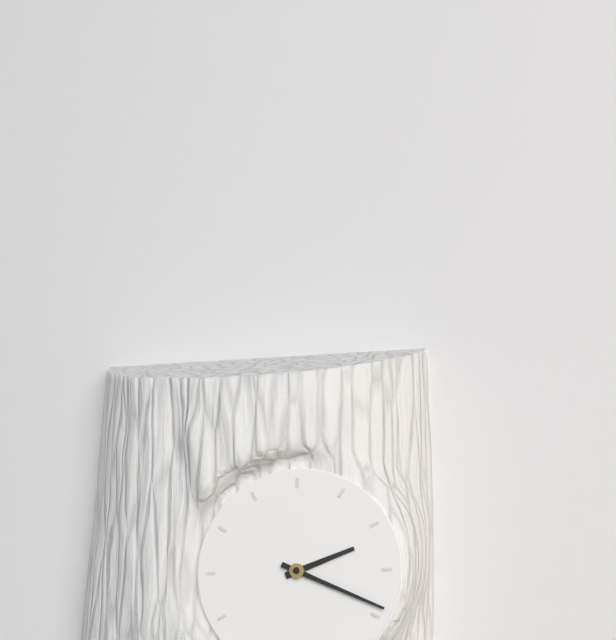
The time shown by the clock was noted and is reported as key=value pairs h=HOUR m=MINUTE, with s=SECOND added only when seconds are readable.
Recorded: h=2 m=19
